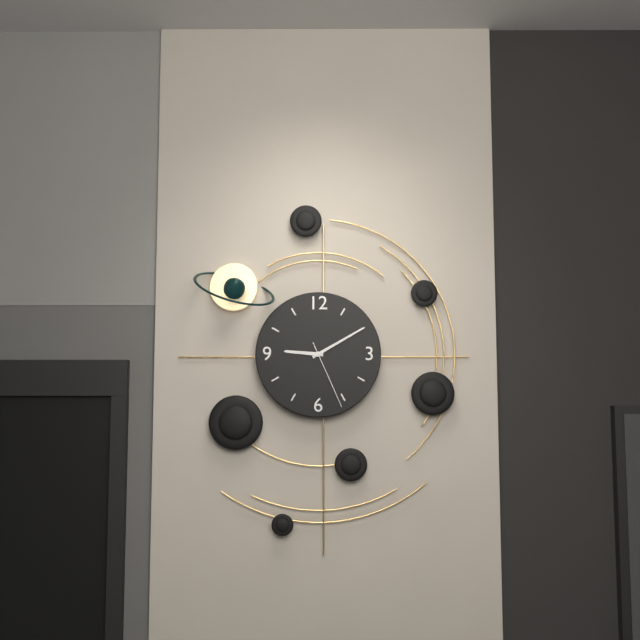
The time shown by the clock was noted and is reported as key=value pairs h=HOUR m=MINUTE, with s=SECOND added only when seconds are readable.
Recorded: h=9 m=10 s=26
